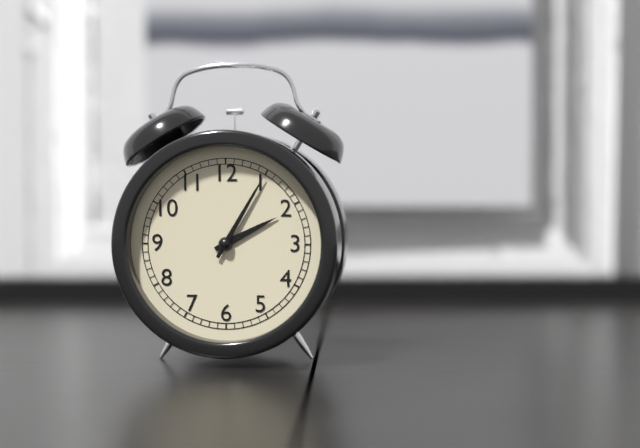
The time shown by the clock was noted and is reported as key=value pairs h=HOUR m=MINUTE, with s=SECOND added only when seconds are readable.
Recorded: h=2 m=5
